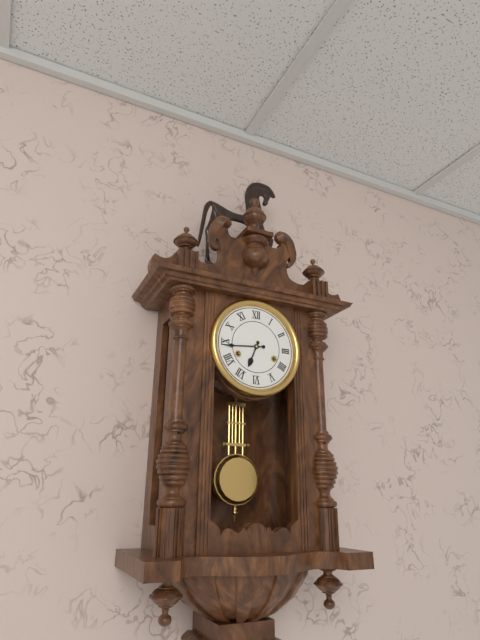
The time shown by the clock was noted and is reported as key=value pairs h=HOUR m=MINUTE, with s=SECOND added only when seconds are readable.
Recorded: h=6 m=44
